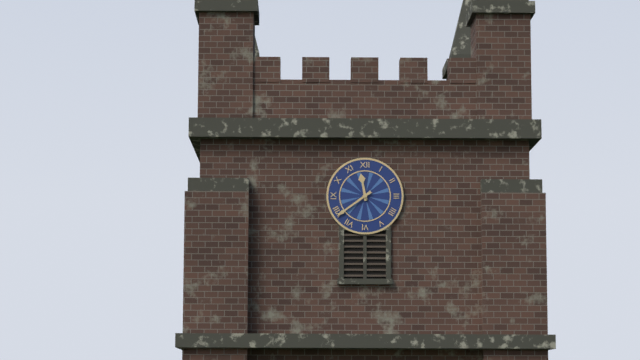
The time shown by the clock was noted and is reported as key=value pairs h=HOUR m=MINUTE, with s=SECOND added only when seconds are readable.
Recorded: h=11 m=39
